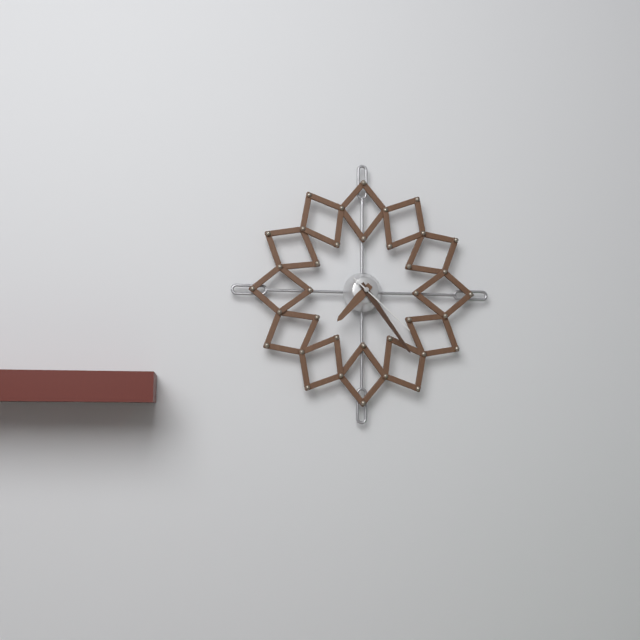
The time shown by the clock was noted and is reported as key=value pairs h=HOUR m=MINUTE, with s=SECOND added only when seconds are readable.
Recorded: h=7 m=24 s=22
